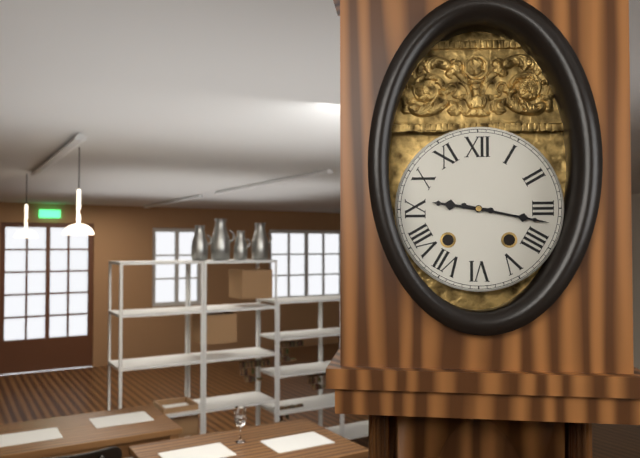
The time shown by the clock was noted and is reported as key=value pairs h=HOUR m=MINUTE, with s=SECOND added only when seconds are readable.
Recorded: h=9 m=17
